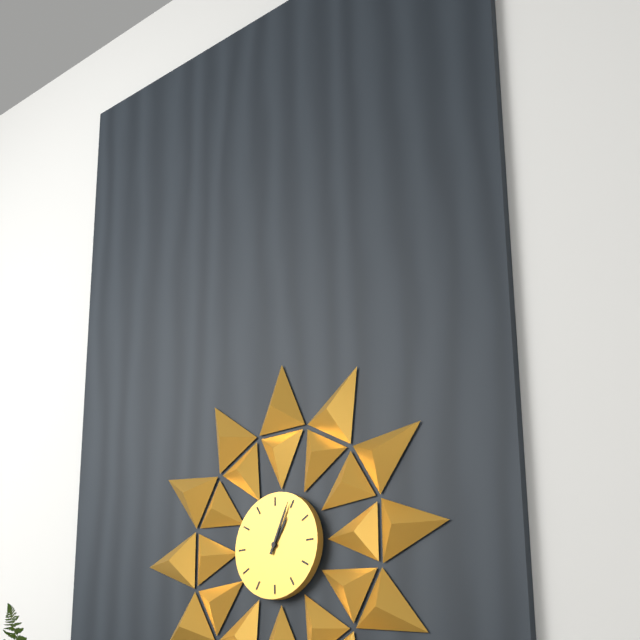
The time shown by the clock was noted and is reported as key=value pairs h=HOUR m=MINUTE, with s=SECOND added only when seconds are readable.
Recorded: h=1 m=4
